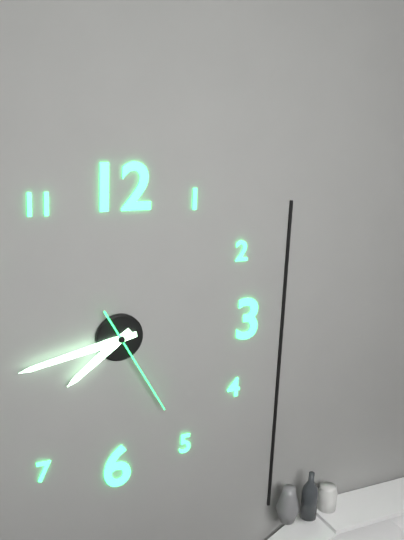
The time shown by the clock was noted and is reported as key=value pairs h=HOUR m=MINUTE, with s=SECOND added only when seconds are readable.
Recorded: h=7 m=43 s=25
